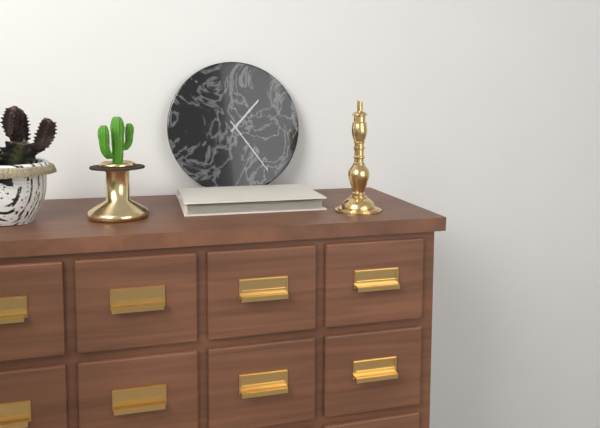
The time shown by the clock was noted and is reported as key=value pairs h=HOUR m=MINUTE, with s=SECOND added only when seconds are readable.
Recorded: h=1 m=24
